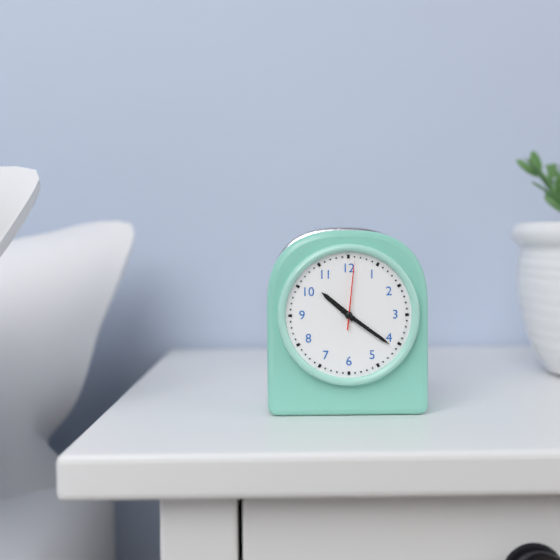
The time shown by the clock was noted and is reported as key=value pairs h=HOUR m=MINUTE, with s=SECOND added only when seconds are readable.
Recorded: h=10 m=21 s=1
